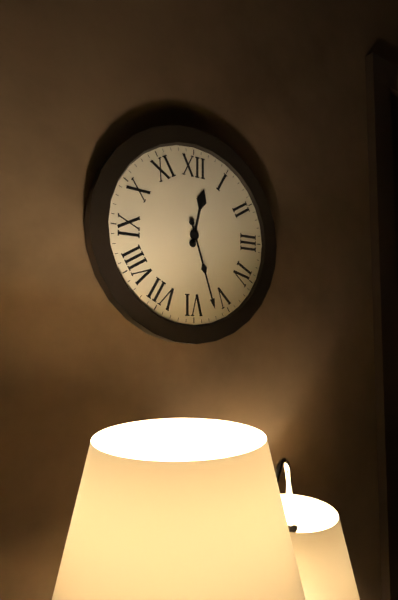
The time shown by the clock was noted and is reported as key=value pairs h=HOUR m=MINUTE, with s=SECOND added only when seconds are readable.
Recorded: h=12 m=27
